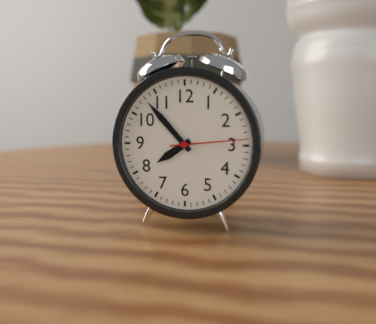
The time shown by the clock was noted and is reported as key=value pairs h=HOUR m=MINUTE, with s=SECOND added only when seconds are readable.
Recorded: h=7 m=53 s=14
